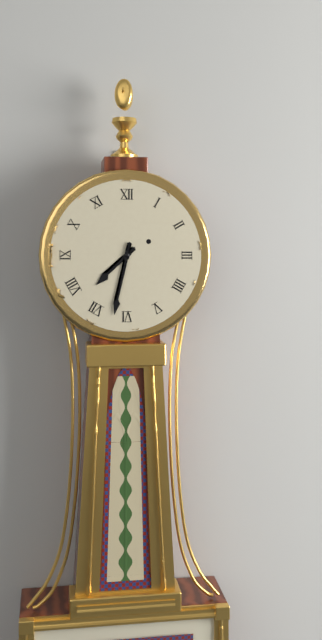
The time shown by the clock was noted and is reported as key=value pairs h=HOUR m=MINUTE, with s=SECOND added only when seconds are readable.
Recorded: h=7 m=32
